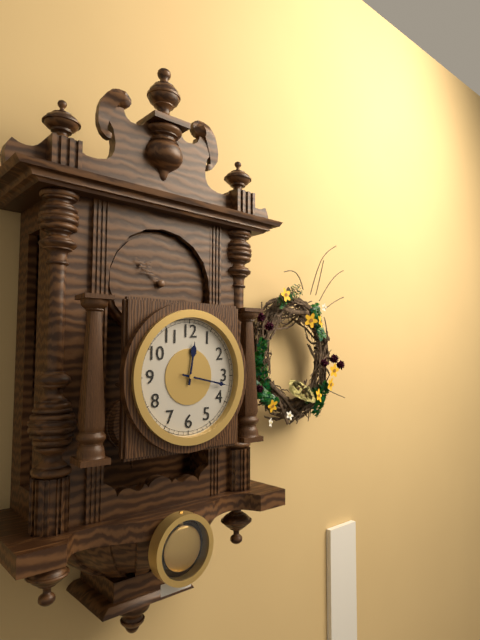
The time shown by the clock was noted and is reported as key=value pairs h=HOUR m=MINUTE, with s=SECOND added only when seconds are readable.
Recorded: h=12 m=17
